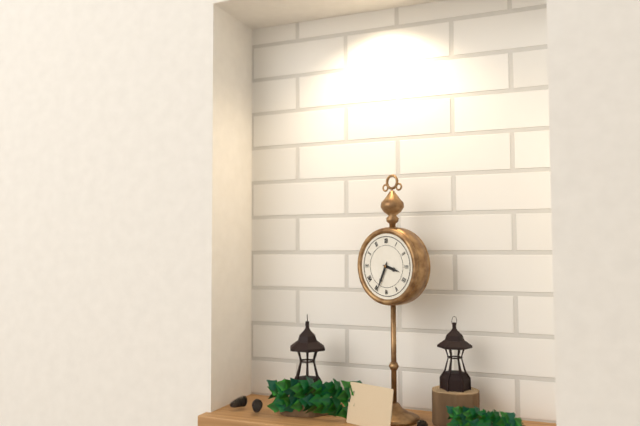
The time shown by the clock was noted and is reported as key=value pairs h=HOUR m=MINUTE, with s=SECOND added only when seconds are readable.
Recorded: h=3 m=34
